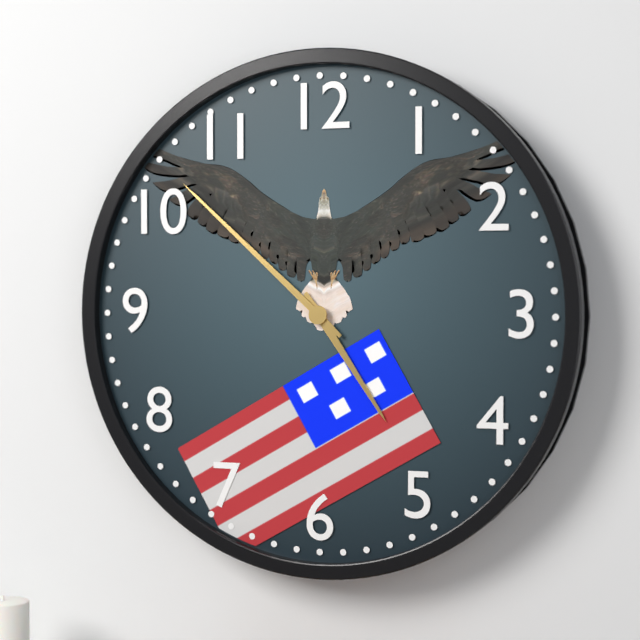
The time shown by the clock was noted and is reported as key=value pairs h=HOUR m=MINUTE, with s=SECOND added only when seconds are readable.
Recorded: h=4 m=52
